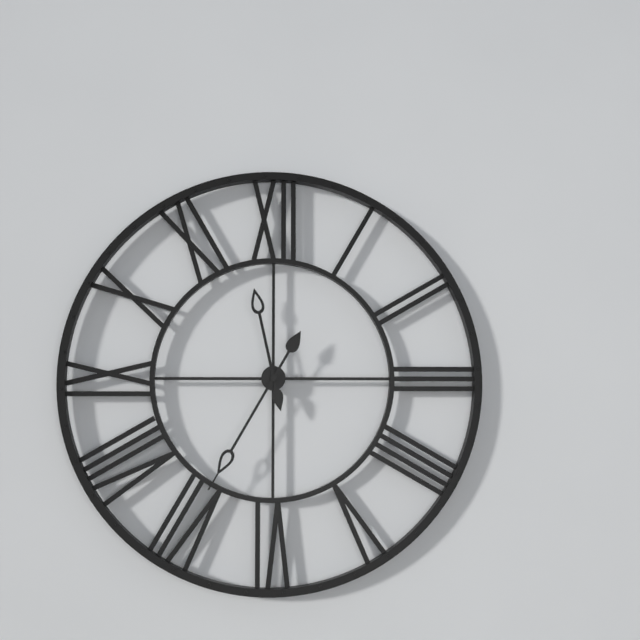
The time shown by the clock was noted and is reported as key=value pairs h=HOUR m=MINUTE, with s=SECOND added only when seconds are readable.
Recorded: h=11 m=35
